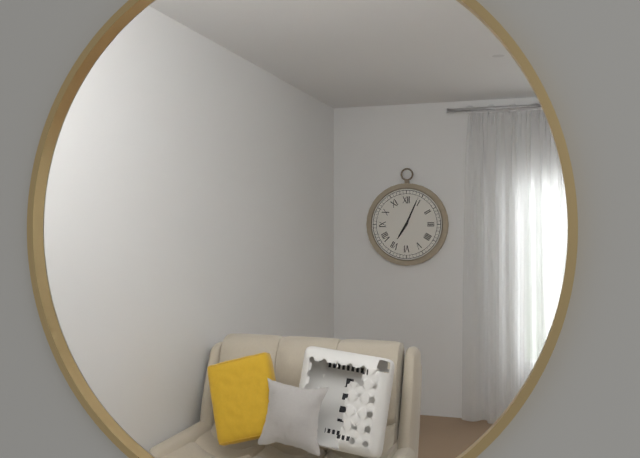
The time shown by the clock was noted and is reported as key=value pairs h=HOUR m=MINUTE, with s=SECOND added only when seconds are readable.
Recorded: h=7 m=4
